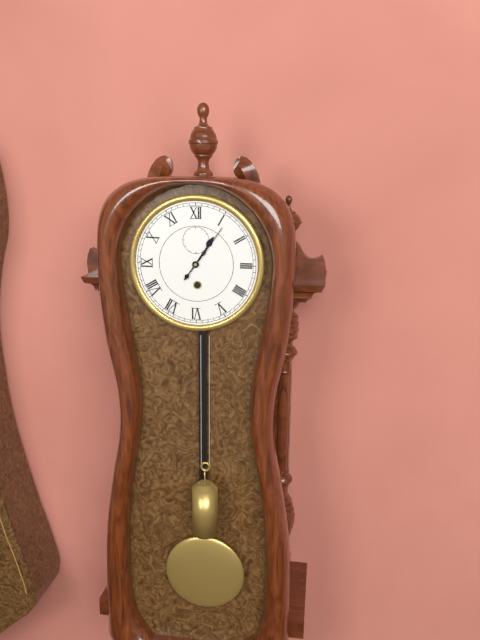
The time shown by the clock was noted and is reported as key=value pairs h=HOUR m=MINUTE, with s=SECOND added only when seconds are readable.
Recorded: h=1 m=6
